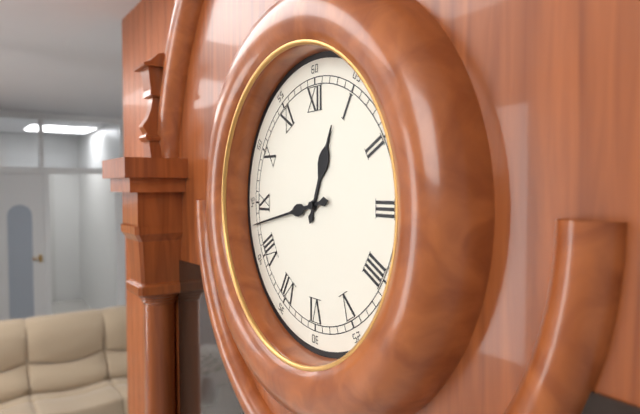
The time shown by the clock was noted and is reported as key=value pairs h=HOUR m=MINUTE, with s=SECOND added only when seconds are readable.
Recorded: h=12 m=43
